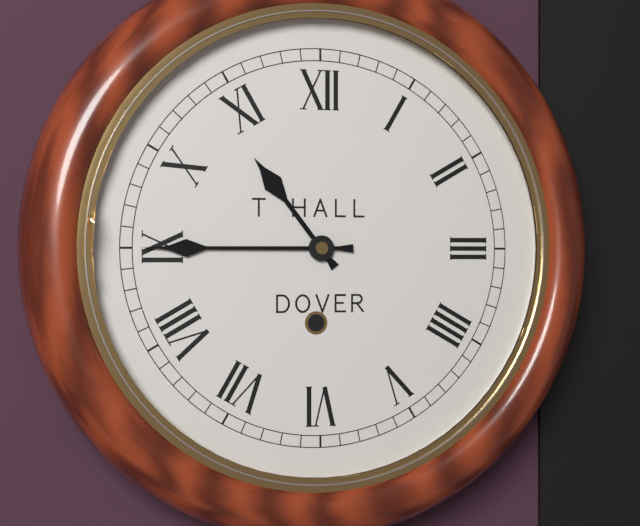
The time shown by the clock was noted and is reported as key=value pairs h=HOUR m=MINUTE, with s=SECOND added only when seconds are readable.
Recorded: h=10 m=45
